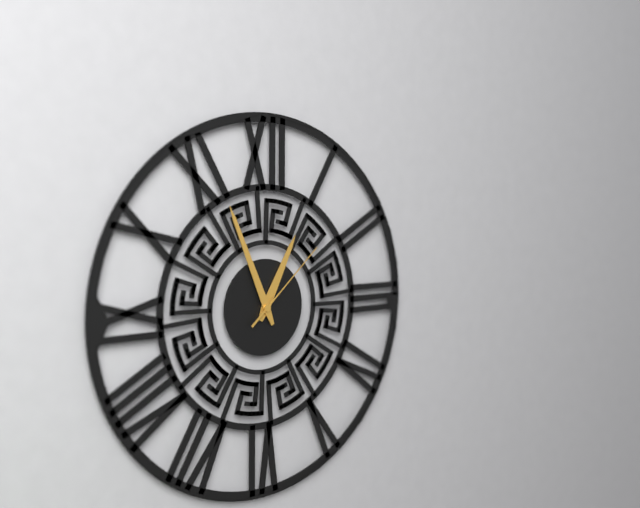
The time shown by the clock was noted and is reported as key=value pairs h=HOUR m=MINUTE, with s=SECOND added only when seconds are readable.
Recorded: h=12 m=56 s=8
